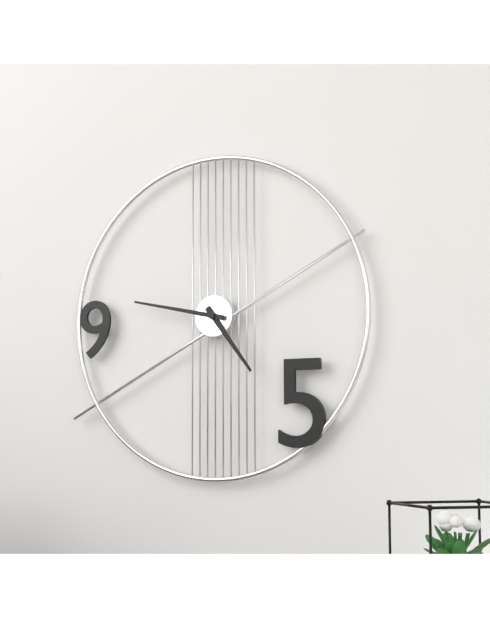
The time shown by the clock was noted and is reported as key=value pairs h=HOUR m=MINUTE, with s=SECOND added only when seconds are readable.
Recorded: h=4 m=47
